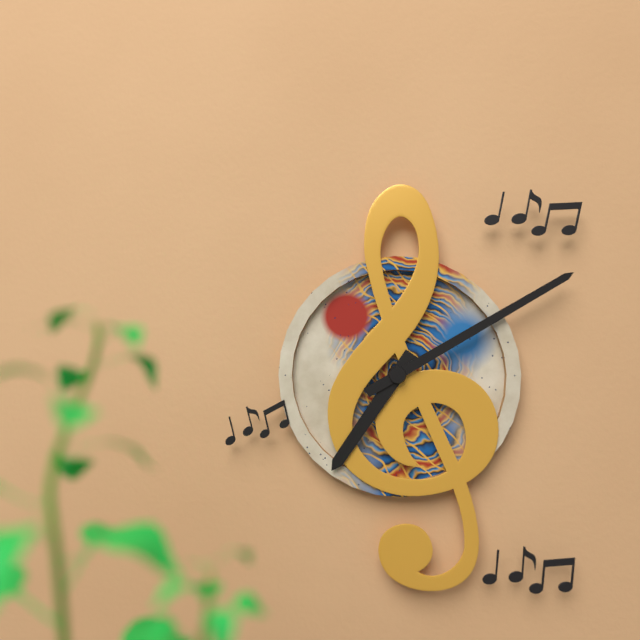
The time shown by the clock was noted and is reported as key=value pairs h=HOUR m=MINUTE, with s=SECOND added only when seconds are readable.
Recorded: h=7 m=10
